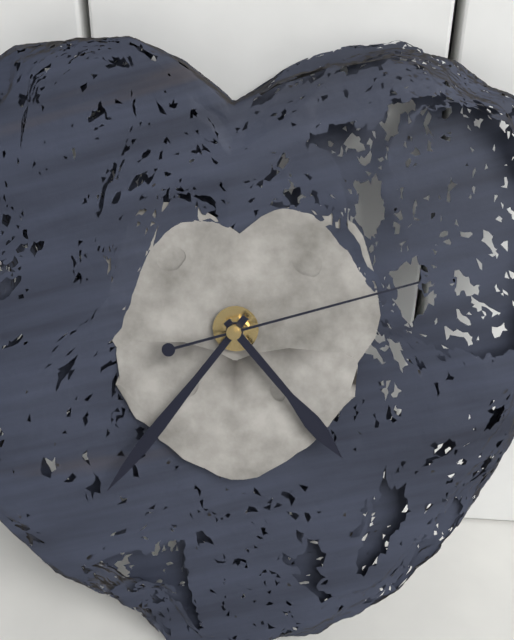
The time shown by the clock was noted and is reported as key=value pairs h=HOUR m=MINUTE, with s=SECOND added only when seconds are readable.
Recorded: h=4 m=36 s=12
